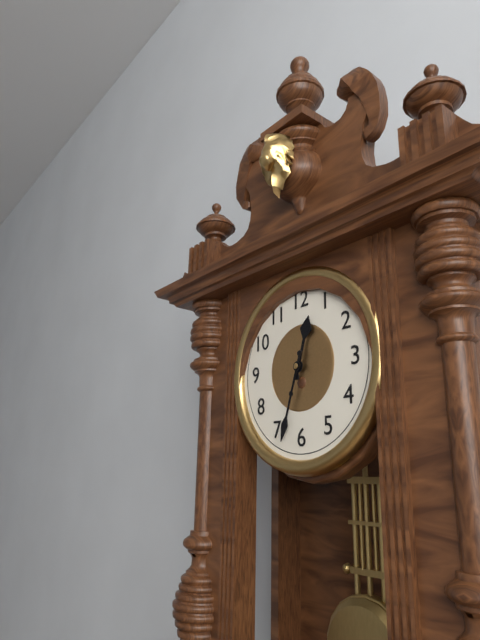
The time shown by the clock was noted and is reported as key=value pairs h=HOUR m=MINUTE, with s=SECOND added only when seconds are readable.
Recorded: h=12 m=33
